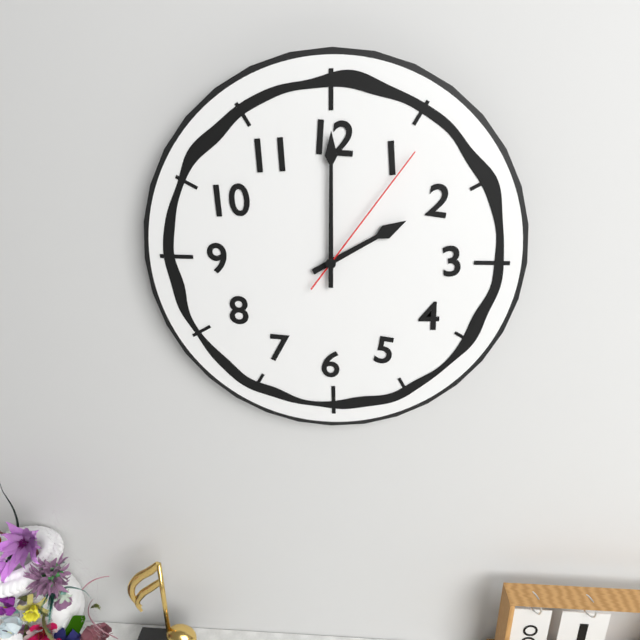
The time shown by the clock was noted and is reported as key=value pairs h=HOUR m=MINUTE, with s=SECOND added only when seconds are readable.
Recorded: h=2 m=0 s=6
